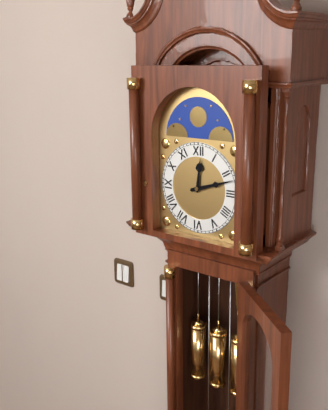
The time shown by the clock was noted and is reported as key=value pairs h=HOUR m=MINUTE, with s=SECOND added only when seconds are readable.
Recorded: h=12 m=12
